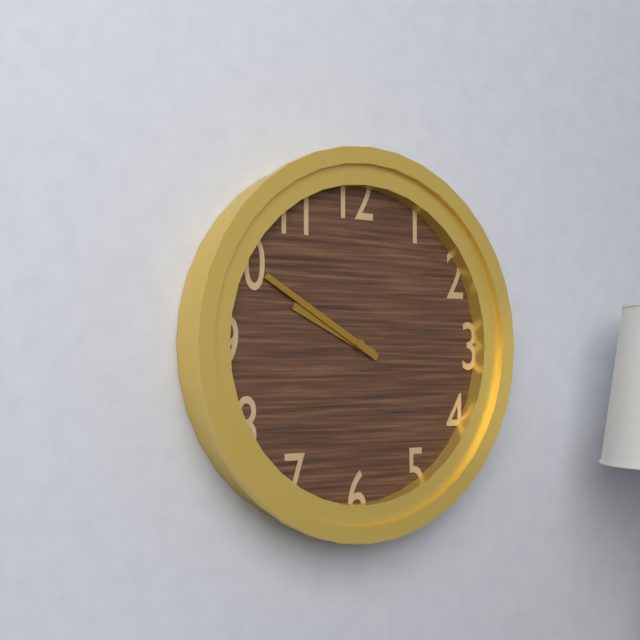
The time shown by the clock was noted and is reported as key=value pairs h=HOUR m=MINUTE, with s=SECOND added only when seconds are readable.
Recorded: h=9 m=50
